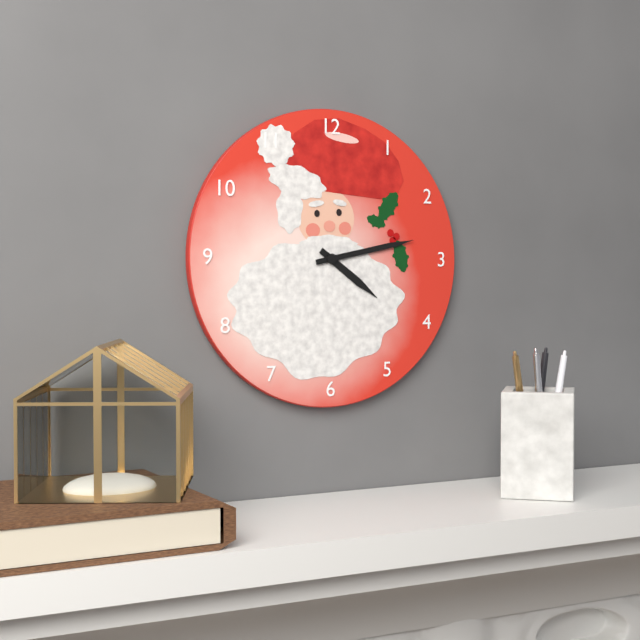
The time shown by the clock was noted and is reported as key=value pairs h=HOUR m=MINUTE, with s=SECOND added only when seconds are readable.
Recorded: h=4 m=13
